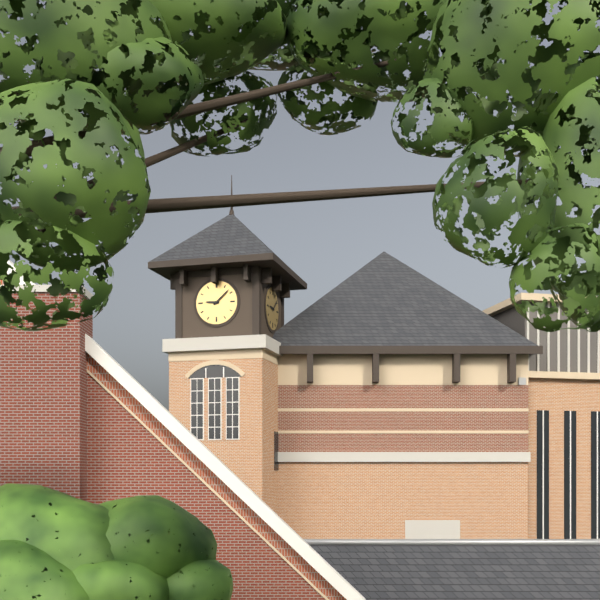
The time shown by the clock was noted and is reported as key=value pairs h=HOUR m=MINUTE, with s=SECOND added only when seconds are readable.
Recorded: h=9 m=8
